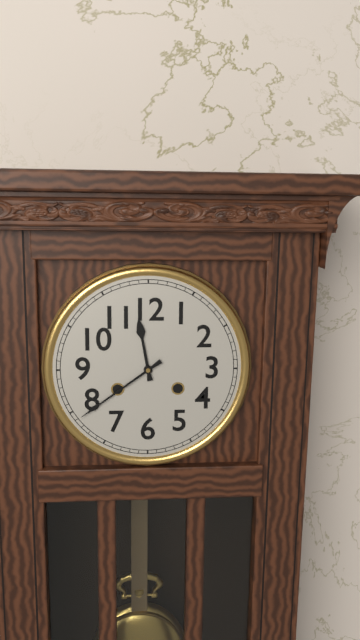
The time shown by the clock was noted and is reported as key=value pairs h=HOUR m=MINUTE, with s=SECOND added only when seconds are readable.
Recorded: h=11 m=39
